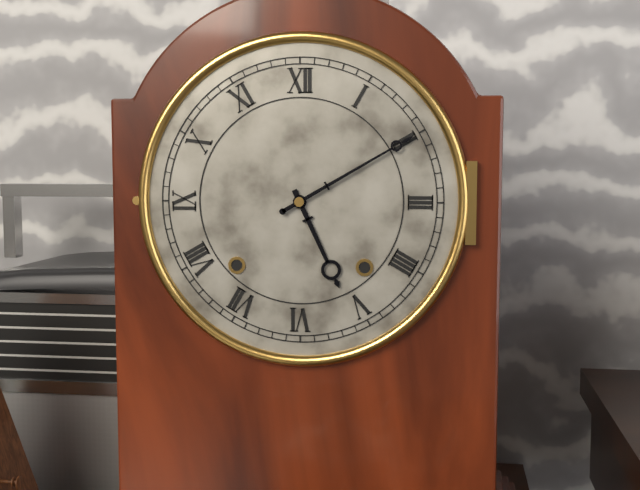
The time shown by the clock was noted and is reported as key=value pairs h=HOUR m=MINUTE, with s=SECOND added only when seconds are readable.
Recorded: h=5 m=10
